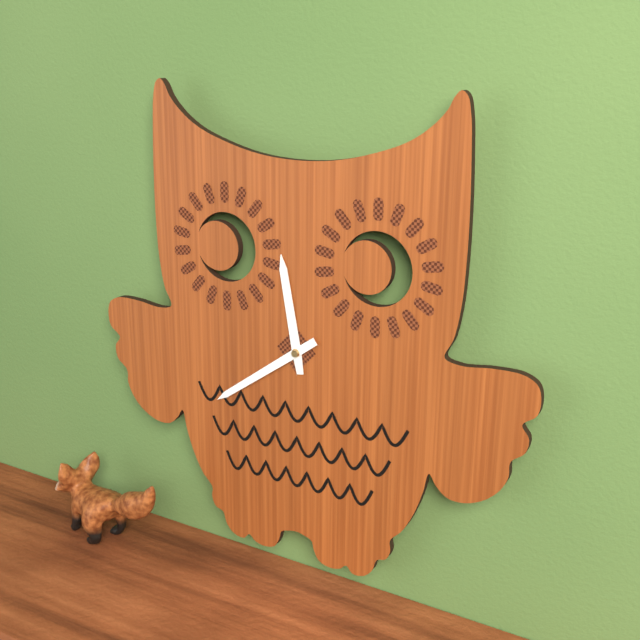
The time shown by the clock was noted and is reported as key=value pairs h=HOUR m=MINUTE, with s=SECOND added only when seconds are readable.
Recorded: h=11 m=39
